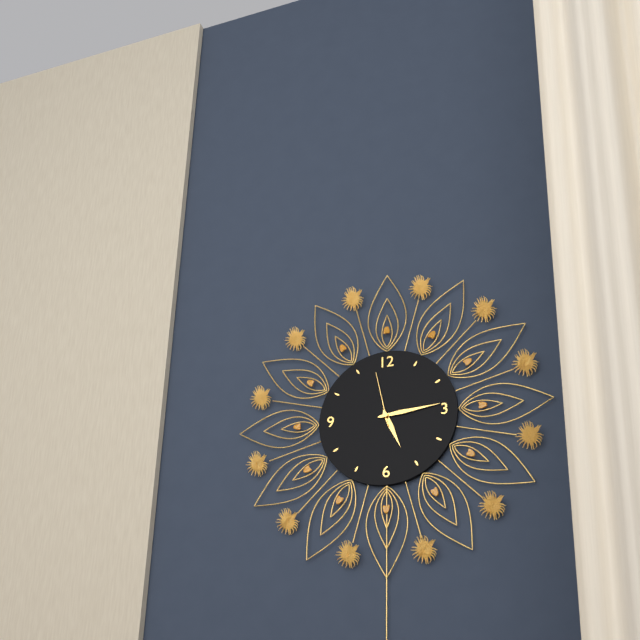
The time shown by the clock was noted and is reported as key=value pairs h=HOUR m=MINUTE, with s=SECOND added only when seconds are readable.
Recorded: h=5 m=14 s=58
